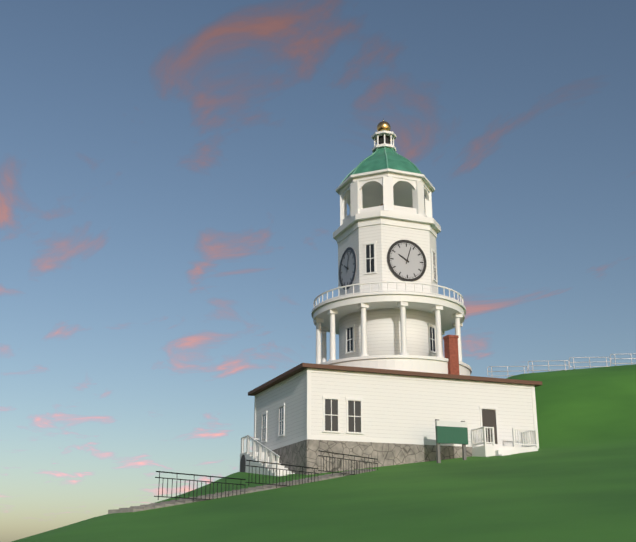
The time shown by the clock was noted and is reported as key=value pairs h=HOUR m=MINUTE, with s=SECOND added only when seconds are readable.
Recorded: h=10 m=3
